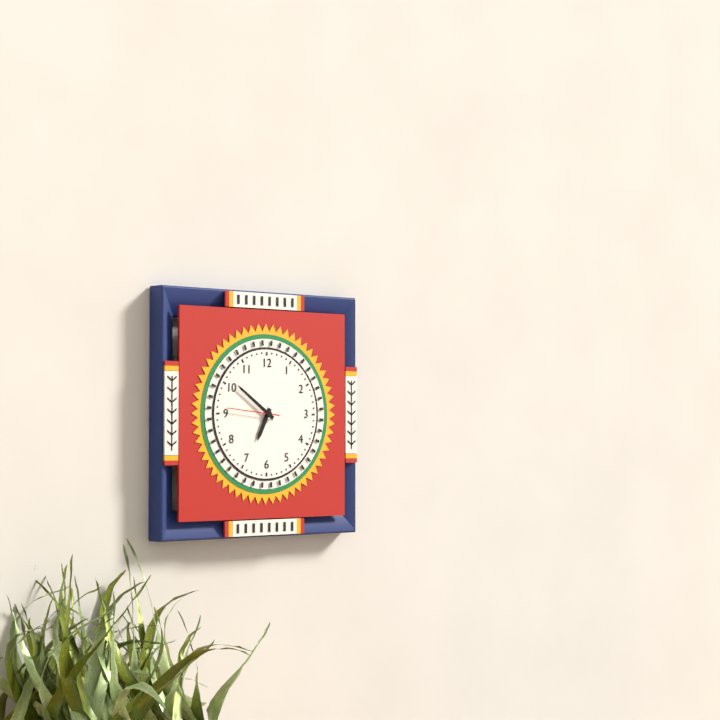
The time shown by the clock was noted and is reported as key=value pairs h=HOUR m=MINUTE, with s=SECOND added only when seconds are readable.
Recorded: h=6 m=51 s=46
